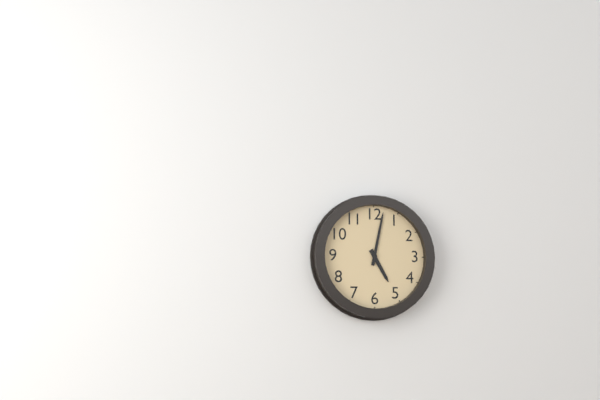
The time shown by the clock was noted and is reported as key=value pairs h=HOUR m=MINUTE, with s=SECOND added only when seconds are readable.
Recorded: h=5 m=2
